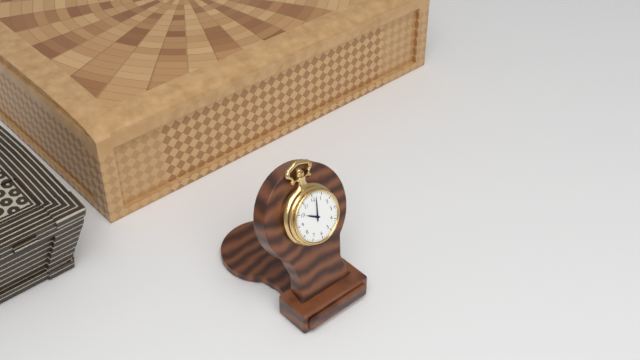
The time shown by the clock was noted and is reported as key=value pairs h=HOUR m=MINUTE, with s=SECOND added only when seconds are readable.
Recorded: h=10 m=2
